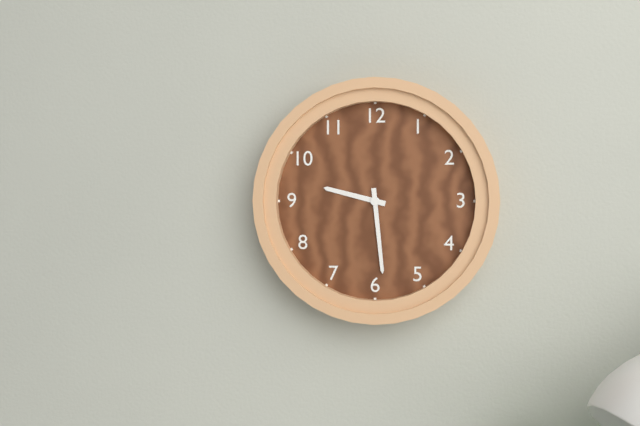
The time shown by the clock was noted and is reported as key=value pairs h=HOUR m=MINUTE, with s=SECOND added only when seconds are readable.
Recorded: h=9 m=29
